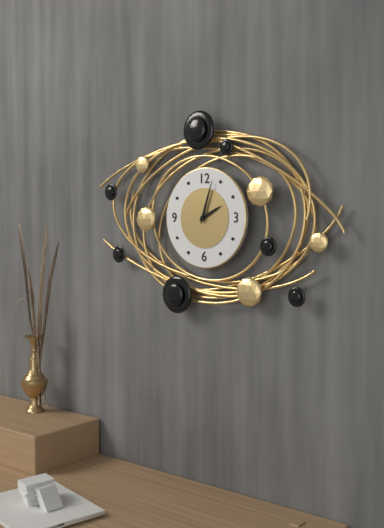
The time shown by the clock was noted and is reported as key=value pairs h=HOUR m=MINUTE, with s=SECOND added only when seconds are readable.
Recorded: h=2 m=3
